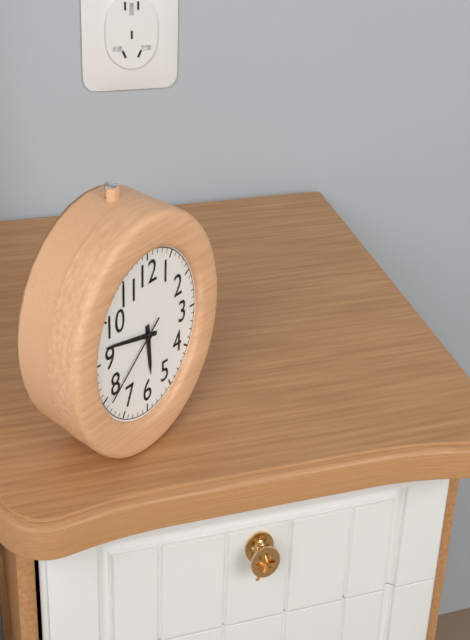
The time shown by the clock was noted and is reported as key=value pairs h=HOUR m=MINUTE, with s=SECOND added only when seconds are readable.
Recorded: h=5 m=47 s=39
